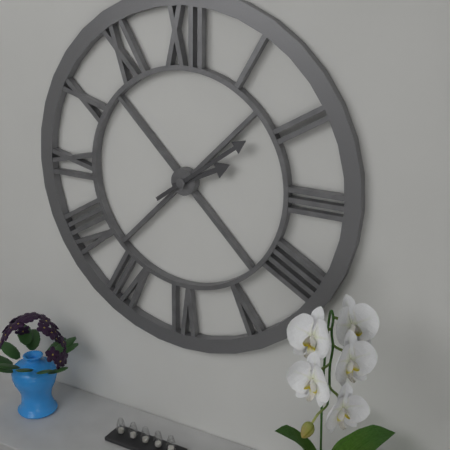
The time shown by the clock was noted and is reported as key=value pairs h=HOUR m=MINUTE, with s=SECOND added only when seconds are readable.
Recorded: h=2 m=9
